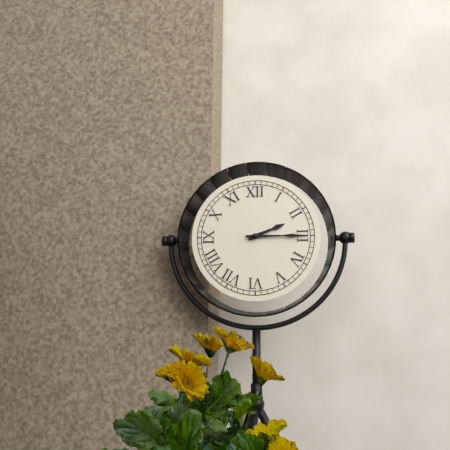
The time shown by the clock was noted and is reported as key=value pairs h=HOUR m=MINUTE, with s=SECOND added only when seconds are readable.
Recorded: h=2 m=15
